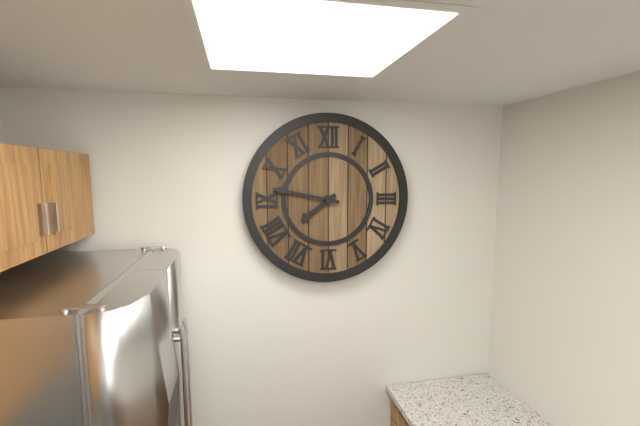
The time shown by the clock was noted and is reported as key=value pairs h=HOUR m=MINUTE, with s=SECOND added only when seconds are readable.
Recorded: h=7 m=47
